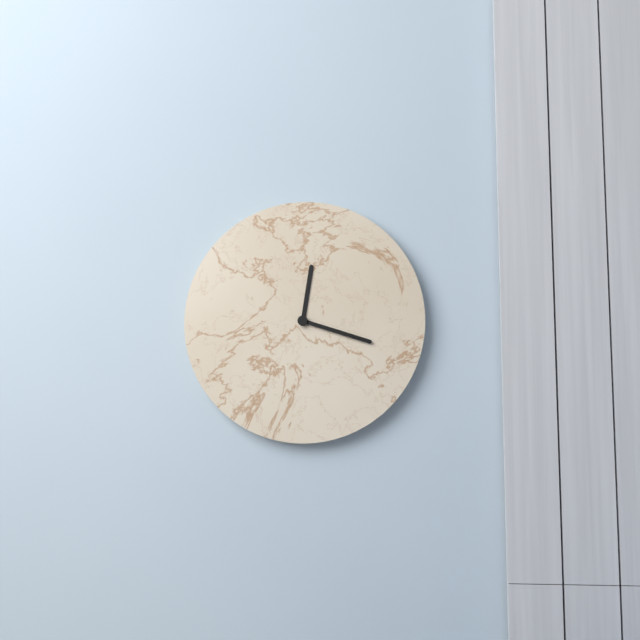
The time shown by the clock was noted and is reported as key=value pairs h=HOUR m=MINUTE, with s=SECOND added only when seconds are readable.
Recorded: h=12 m=18
